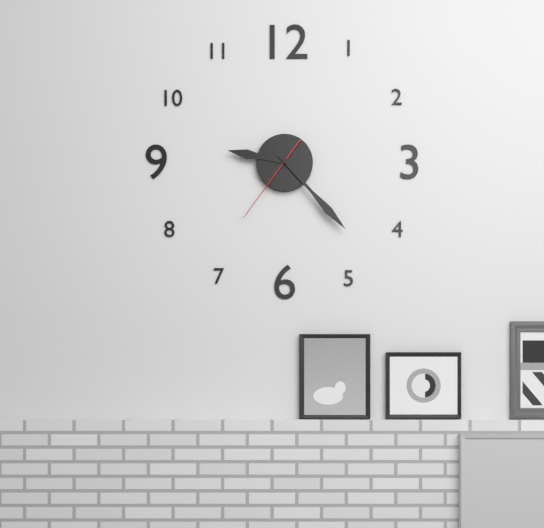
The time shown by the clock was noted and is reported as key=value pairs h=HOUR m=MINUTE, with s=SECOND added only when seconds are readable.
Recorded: h=9 m=23 s=36
